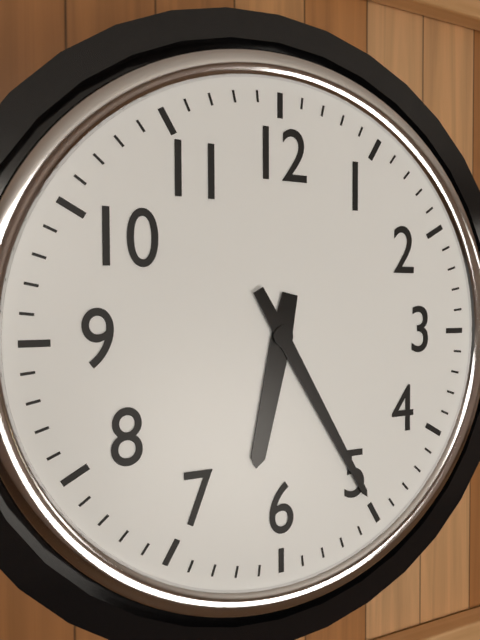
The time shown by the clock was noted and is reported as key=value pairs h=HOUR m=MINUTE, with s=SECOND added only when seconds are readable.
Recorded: h=6 m=25
